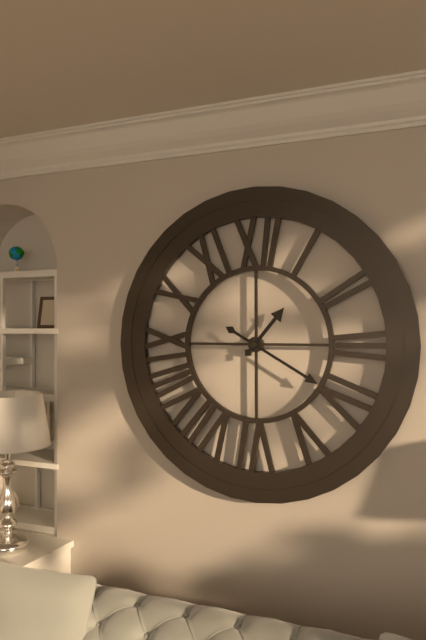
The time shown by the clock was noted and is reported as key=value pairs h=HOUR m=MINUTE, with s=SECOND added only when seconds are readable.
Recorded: h=1 m=20
